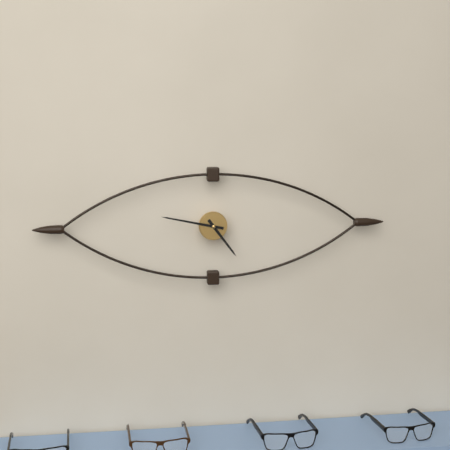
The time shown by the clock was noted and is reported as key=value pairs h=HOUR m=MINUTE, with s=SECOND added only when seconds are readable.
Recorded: h=4 m=47
